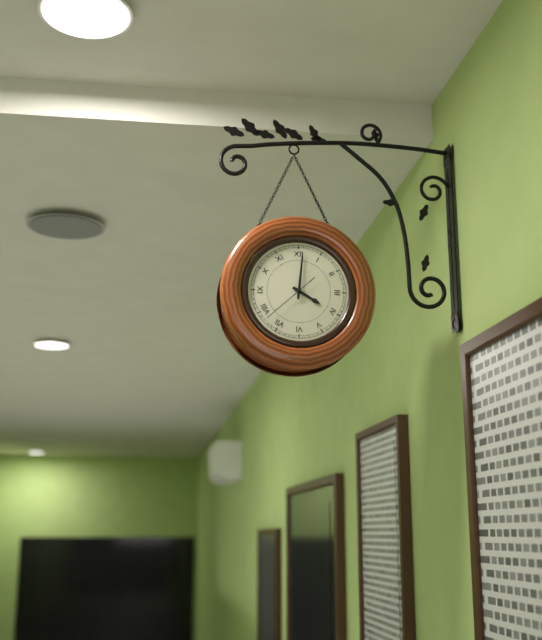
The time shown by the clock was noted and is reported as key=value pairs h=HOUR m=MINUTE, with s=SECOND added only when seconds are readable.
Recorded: h=4 m=1
